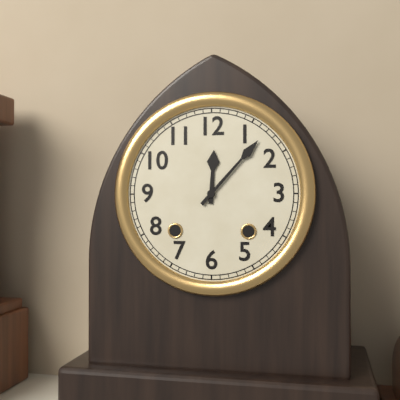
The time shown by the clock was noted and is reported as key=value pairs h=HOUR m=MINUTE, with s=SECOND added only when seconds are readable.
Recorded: h=12 m=7
